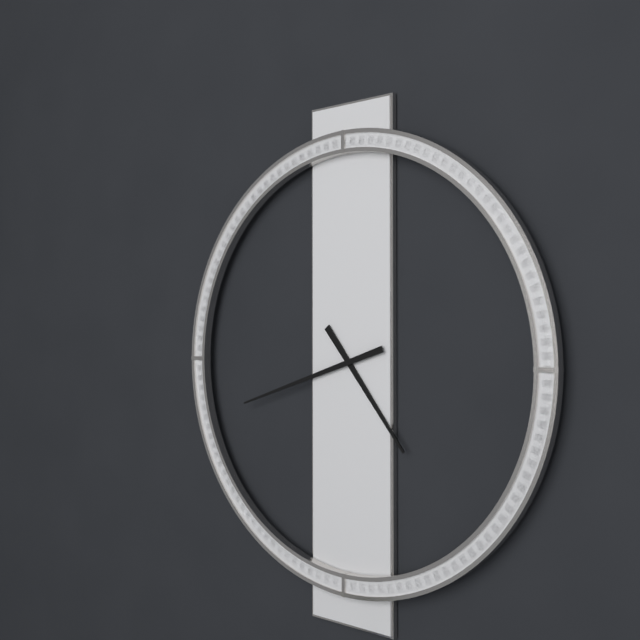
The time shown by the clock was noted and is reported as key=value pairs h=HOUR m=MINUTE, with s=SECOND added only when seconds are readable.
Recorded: h=4 m=42
